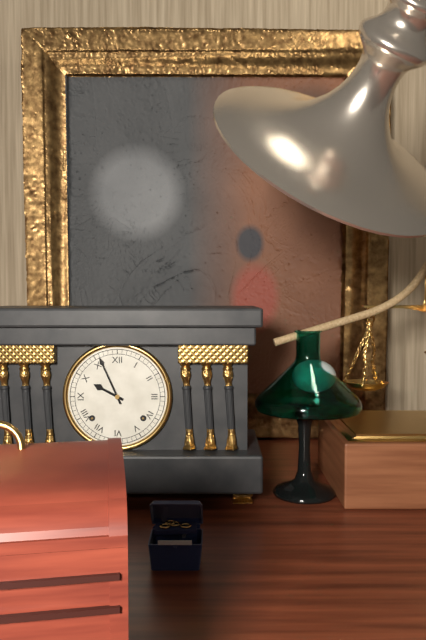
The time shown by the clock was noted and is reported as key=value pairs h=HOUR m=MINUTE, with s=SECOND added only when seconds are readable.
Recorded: h=9 m=56
